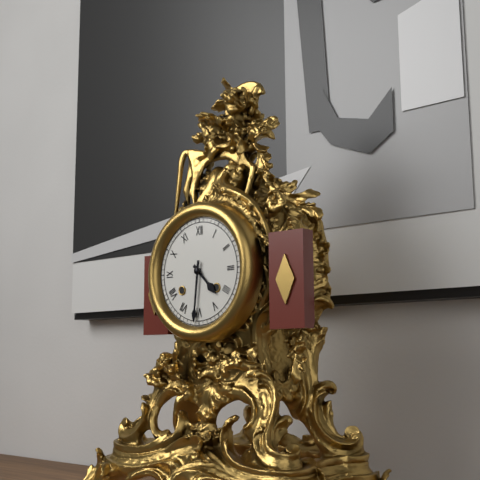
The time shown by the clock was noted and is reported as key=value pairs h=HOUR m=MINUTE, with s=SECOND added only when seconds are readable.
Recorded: h=4 m=31
